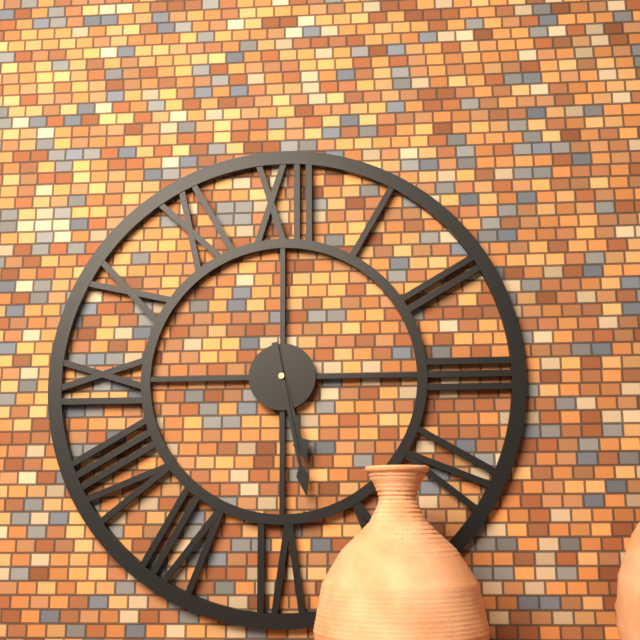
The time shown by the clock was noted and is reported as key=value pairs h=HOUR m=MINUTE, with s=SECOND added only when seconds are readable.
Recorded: h=5 m=28
